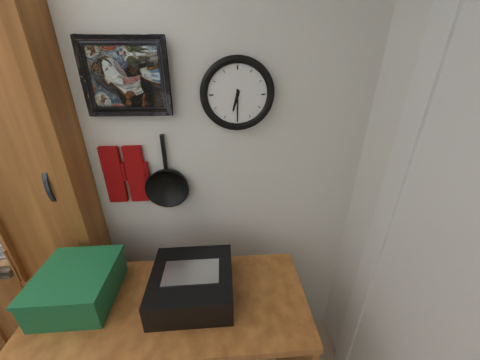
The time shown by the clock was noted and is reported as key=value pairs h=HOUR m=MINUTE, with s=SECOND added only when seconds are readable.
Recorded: h=6 m=30
